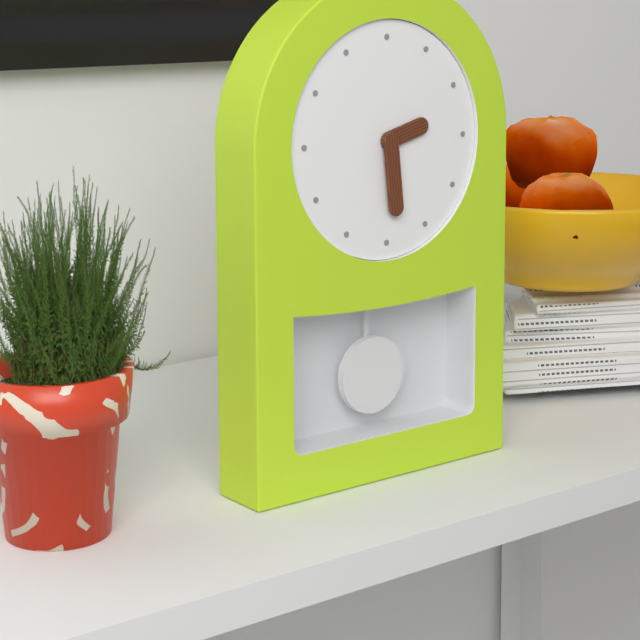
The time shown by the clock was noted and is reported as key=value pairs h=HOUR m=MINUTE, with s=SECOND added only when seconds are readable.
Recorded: h=2 m=29
